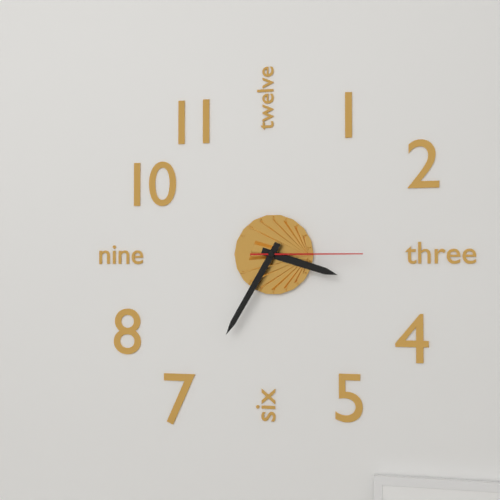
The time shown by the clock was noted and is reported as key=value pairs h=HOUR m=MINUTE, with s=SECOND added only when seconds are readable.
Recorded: h=3 m=35 s=15
